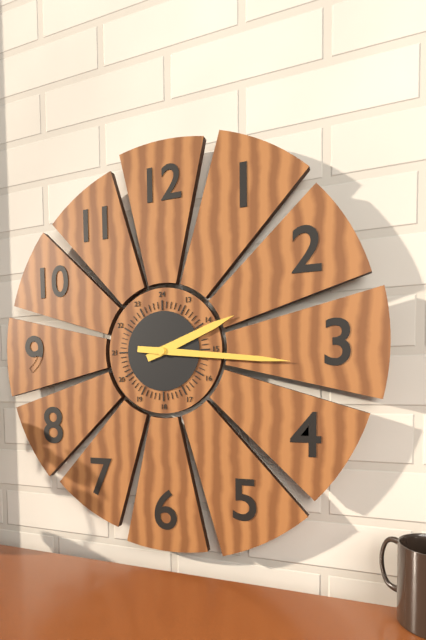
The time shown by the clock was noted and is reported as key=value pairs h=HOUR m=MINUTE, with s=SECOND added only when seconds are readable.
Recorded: h=2 m=16
